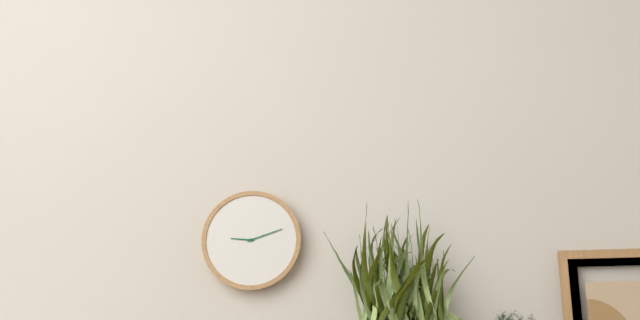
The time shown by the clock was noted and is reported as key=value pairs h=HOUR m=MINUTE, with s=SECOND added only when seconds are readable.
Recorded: h=9 m=12
